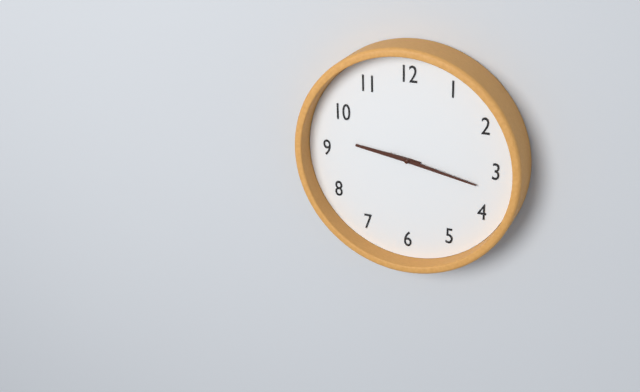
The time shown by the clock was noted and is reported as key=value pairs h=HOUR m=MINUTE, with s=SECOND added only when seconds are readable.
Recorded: h=9 m=17
